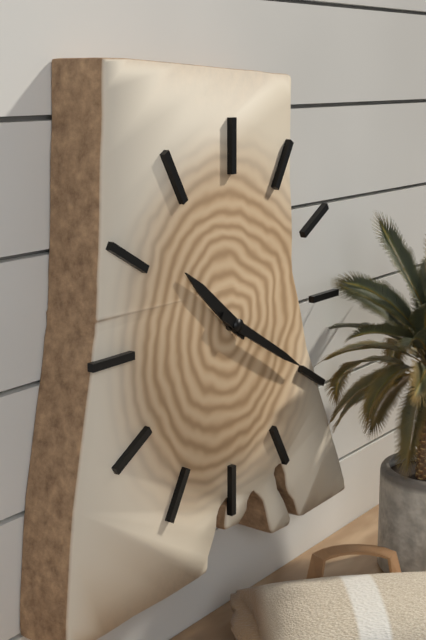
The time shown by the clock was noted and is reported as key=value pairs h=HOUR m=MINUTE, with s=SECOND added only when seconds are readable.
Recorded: h=10 m=20
